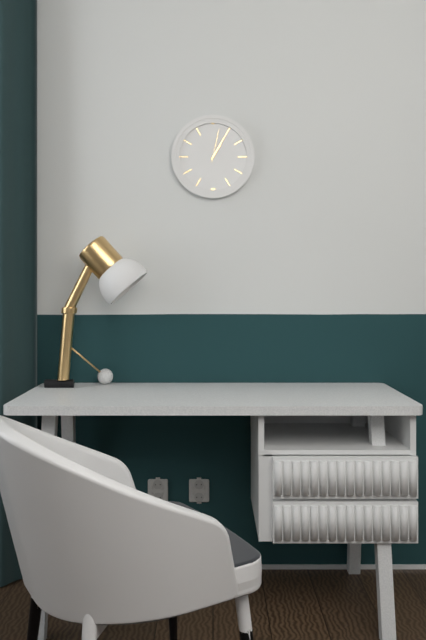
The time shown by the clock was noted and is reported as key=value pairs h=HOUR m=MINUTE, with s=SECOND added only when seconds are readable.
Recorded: h=1 m=5
